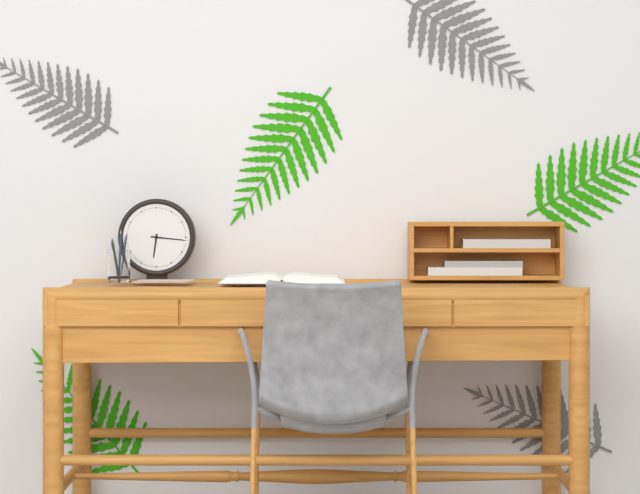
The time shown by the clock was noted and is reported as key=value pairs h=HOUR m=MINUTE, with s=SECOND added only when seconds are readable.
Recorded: h=6 m=16
